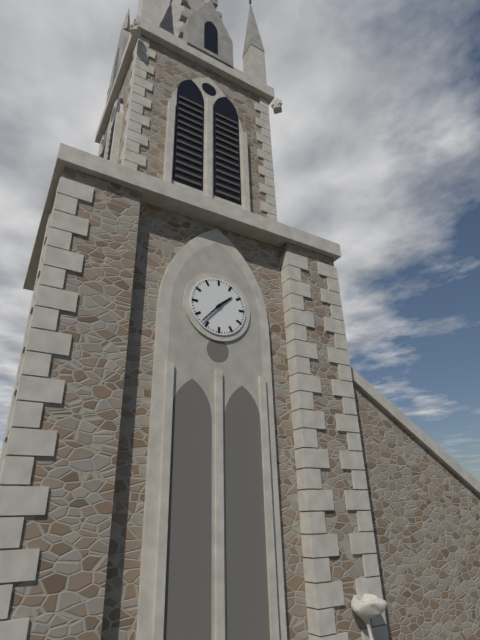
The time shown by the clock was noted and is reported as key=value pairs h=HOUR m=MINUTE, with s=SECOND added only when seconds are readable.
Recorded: h=1 m=37
